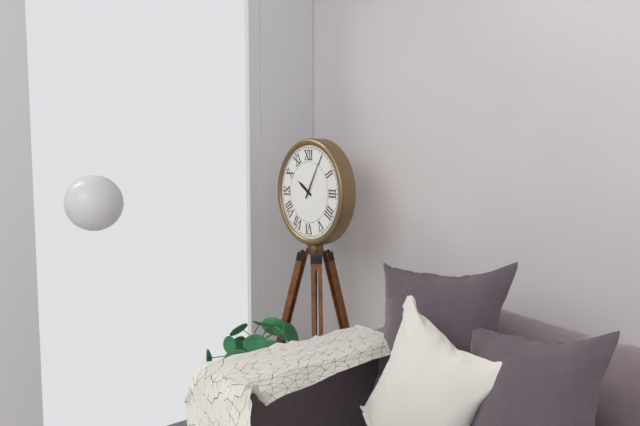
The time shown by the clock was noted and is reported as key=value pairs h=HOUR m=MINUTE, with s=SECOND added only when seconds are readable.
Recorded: h=10 m=5
